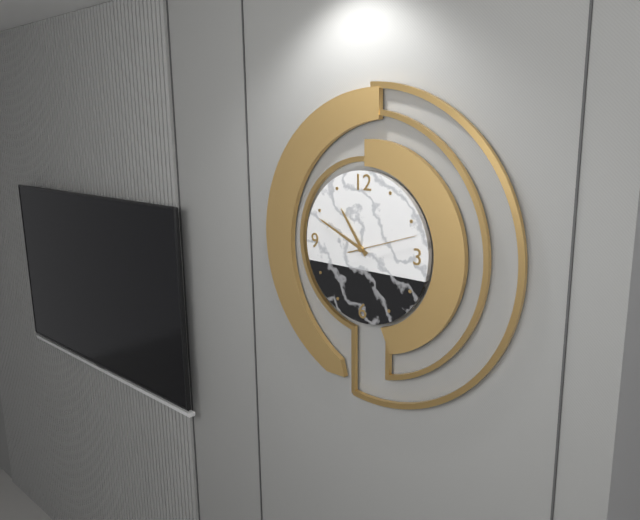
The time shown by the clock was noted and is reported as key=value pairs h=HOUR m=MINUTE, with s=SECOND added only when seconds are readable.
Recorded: h=10 m=49 s=12
